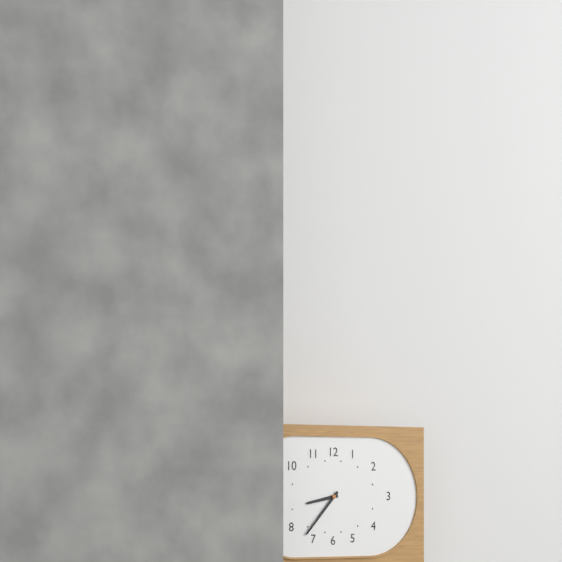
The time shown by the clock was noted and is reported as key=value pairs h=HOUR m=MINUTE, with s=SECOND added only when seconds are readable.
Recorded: h=8 m=37
